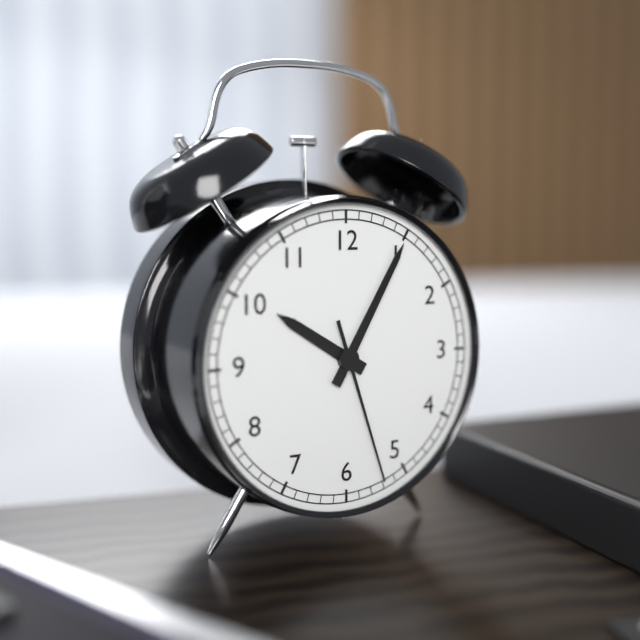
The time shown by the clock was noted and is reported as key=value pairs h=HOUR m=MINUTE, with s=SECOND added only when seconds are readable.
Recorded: h=10 m=5 s=27
